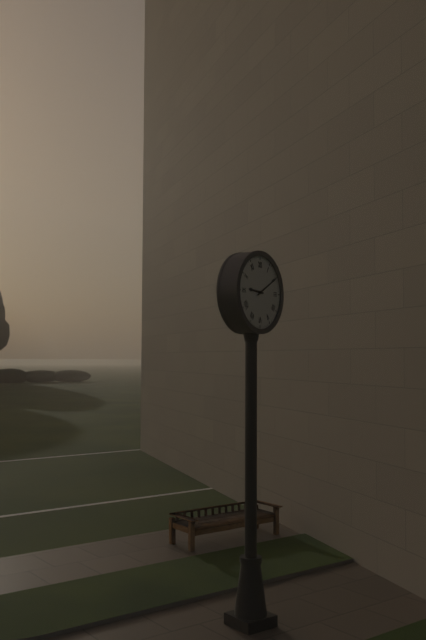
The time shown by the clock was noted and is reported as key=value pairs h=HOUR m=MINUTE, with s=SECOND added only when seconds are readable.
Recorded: h=9 m=10
